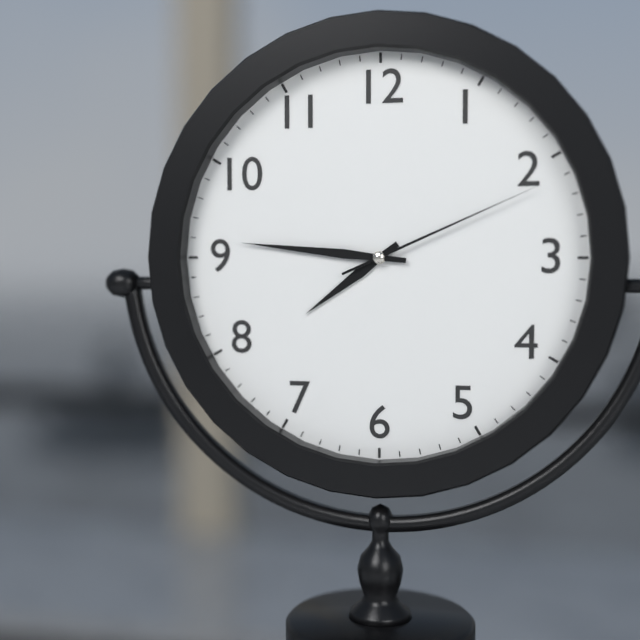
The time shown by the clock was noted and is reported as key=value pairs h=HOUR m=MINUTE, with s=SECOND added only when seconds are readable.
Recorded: h=7 m=46 s=11
